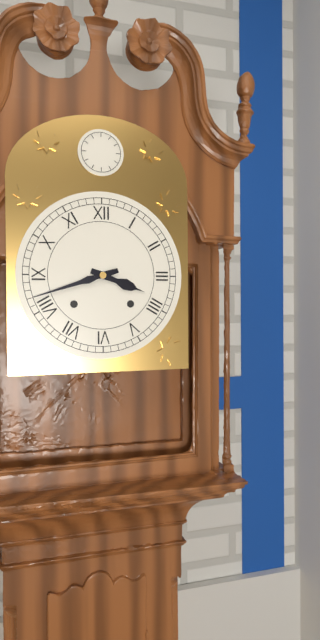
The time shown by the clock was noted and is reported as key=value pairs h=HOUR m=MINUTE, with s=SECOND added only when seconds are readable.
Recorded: h=3 m=42
